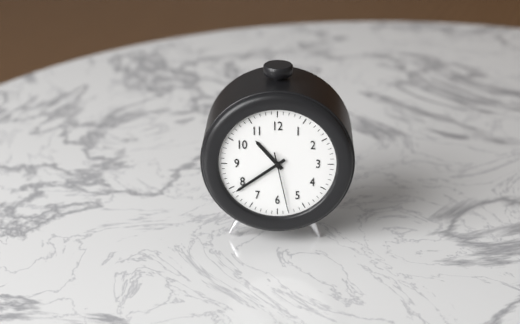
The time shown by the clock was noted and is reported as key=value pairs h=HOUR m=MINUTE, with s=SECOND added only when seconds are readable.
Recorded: h=10 m=39 s=28
